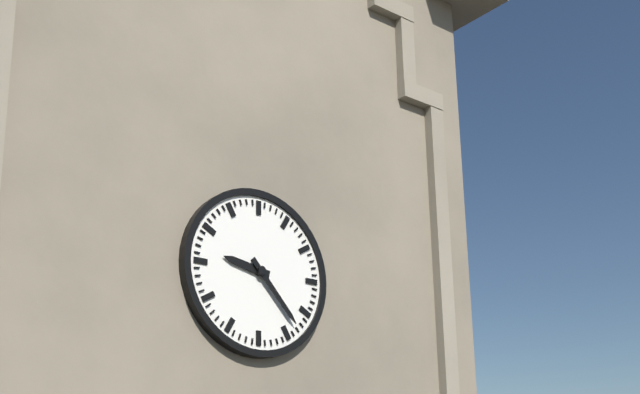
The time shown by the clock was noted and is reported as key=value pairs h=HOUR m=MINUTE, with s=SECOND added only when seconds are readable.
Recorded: h=9 m=23
